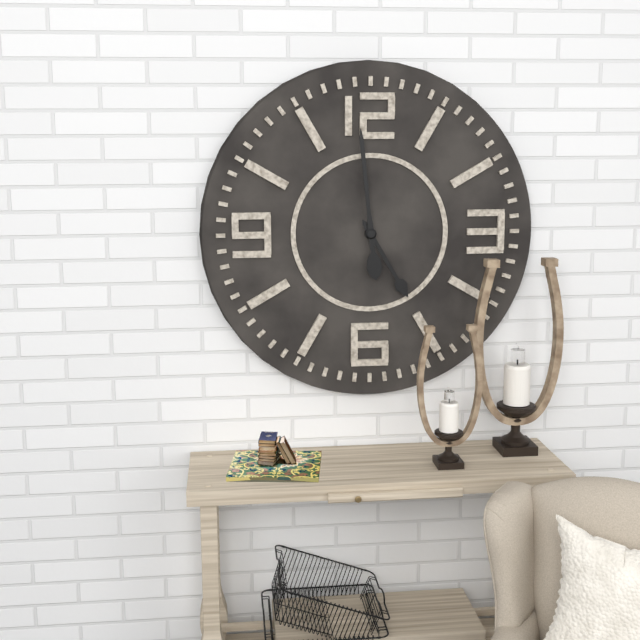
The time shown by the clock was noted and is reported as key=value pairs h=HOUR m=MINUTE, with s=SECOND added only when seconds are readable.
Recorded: h=4 m=59
